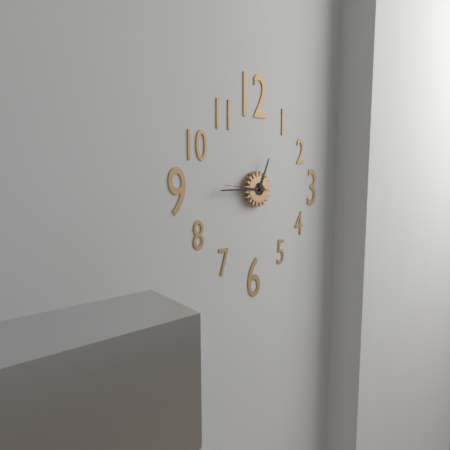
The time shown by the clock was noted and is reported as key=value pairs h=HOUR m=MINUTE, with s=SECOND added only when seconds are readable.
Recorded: h=12 m=45
